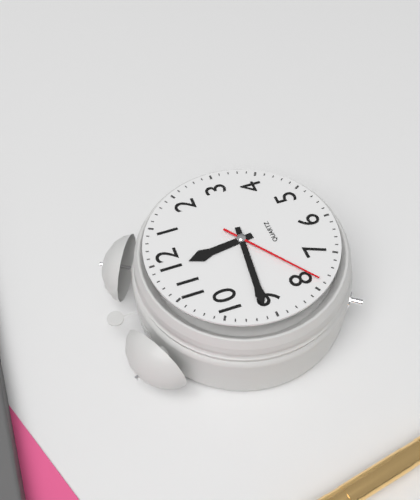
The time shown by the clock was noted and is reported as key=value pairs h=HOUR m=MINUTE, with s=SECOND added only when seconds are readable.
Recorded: h=11 m=46 s=39
